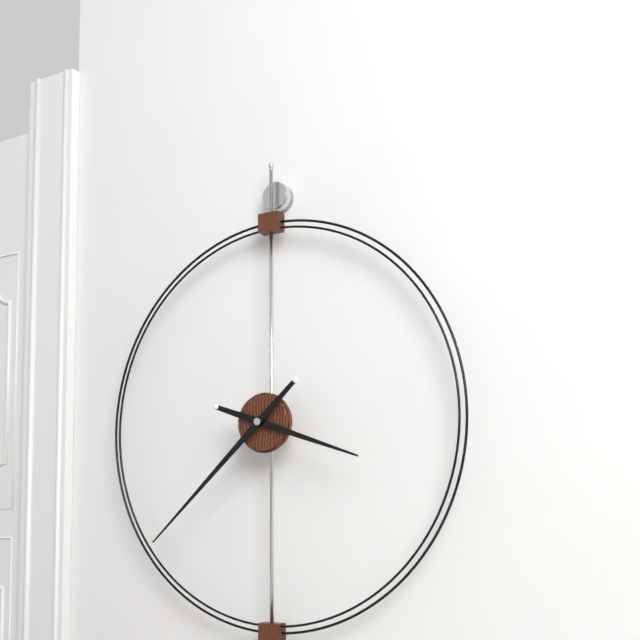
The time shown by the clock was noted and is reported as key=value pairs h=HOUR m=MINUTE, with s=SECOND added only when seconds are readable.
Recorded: h=3 m=38
